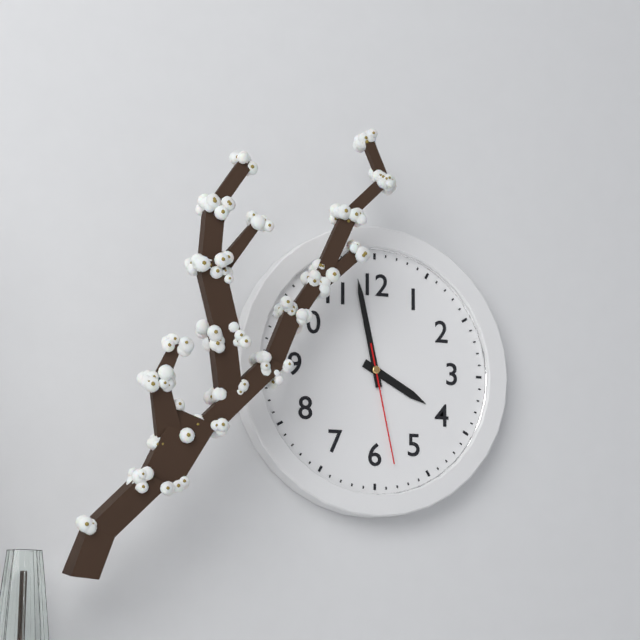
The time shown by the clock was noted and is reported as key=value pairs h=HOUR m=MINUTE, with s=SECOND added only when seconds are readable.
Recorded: h=3 m=58 s=28
